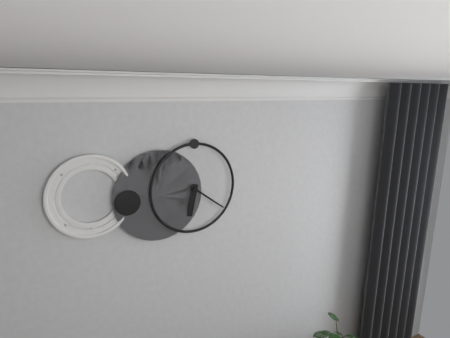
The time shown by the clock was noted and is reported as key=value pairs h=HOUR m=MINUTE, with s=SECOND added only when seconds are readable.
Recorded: h=6 m=21
